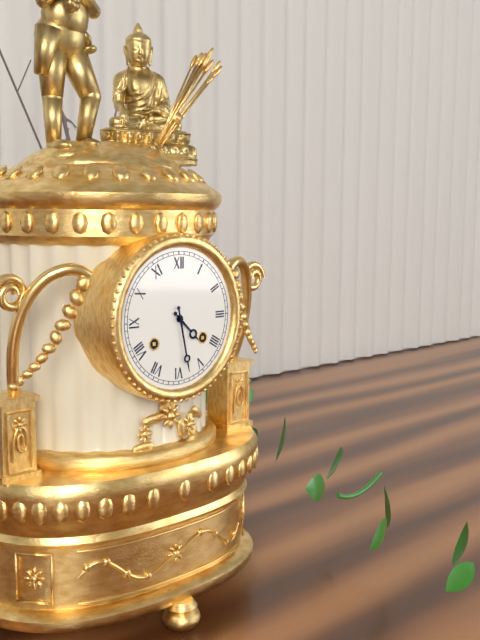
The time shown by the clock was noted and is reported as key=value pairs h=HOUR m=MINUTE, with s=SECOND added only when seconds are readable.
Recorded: h=4 m=28
